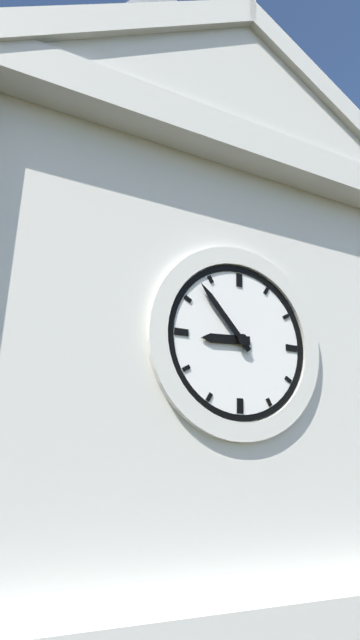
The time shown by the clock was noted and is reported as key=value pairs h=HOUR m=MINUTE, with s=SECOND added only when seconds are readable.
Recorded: h=8 m=53
